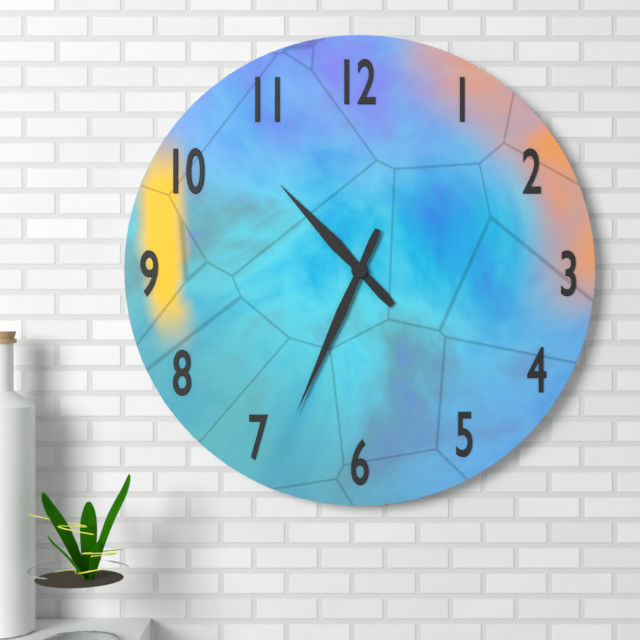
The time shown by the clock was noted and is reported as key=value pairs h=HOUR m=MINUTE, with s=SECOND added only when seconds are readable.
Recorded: h=10 m=34
